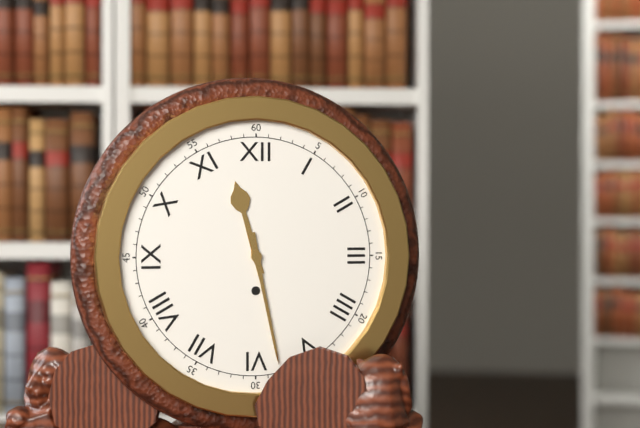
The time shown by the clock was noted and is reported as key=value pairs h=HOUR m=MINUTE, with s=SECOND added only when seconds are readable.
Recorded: h=11 m=28
